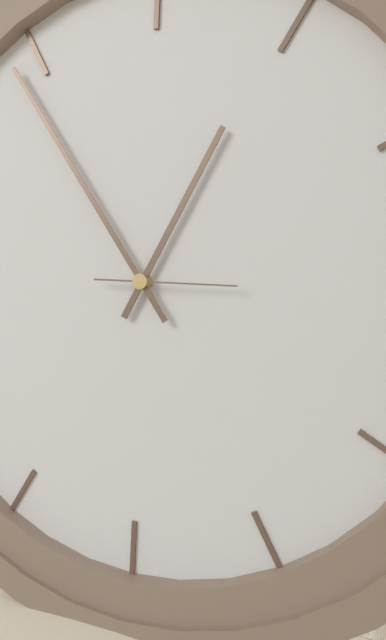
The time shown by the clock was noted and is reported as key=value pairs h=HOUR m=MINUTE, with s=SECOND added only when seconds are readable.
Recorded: h=12 m=54 s=15
